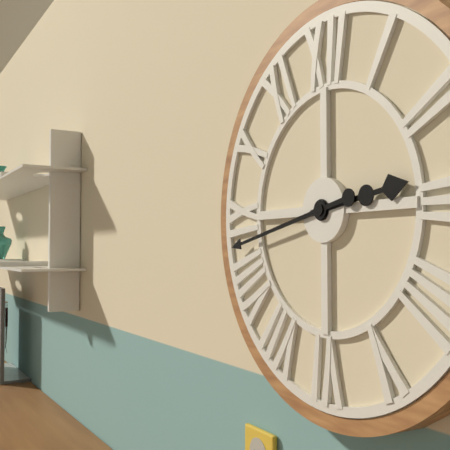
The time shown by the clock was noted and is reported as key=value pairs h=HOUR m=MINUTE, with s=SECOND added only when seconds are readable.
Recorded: h=2 m=43
